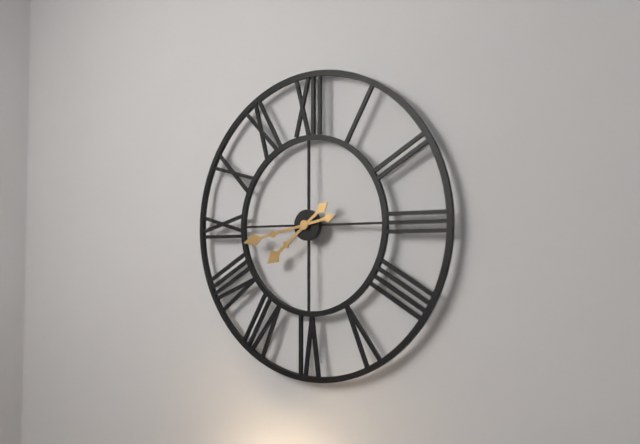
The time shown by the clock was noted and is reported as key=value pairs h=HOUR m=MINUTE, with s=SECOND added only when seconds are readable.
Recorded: h=7 m=43
